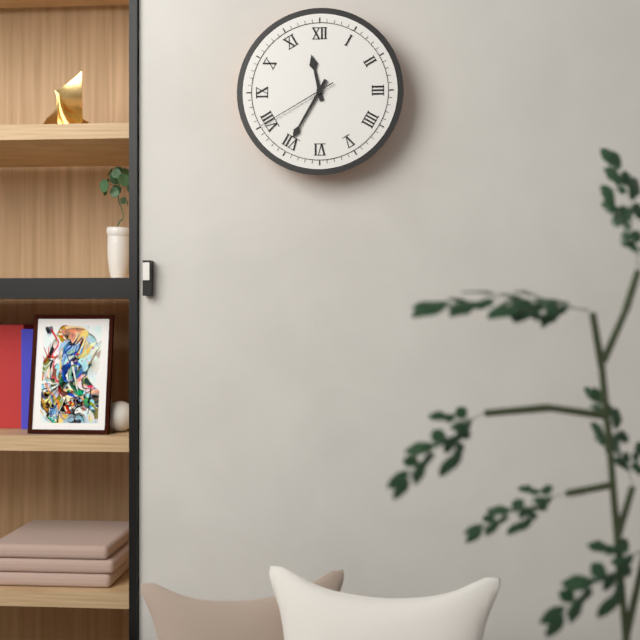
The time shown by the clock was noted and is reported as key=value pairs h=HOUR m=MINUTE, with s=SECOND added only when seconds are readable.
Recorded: h=11 m=35 s=40
